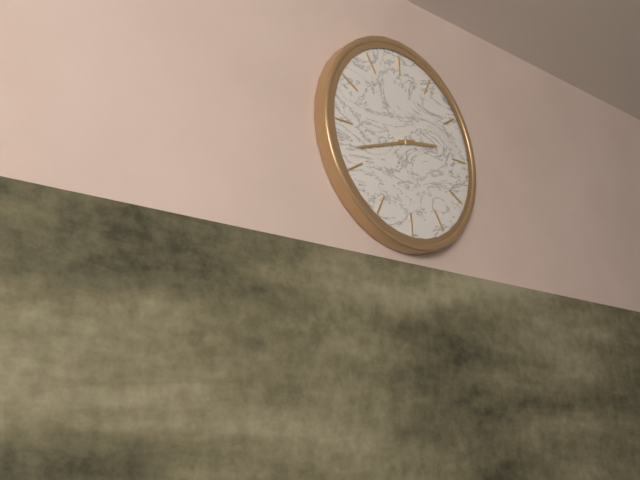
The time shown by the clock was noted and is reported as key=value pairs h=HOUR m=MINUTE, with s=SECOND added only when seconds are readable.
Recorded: h=2 m=42
